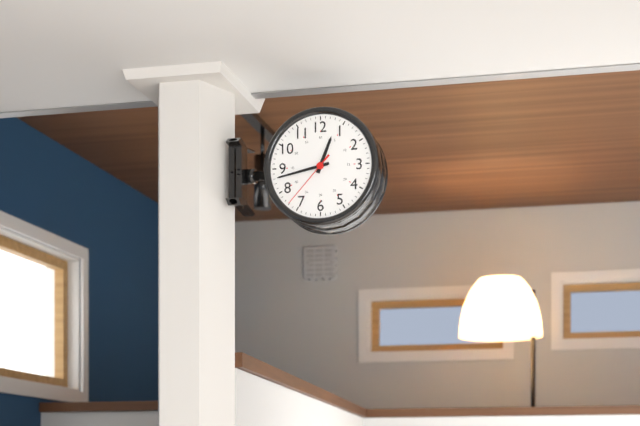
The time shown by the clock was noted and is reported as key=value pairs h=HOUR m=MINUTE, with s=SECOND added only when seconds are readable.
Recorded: h=12 m=43 s=37
